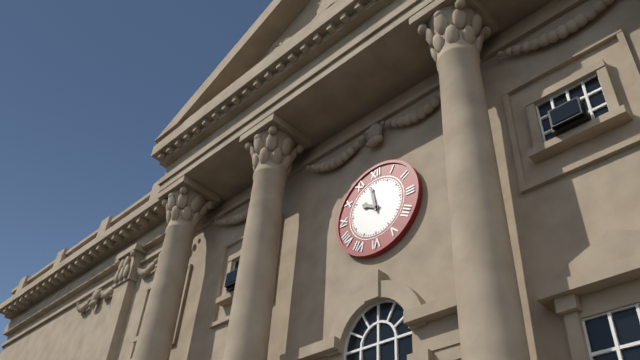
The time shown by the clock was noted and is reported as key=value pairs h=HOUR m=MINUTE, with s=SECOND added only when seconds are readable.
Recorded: h=9 m=58
